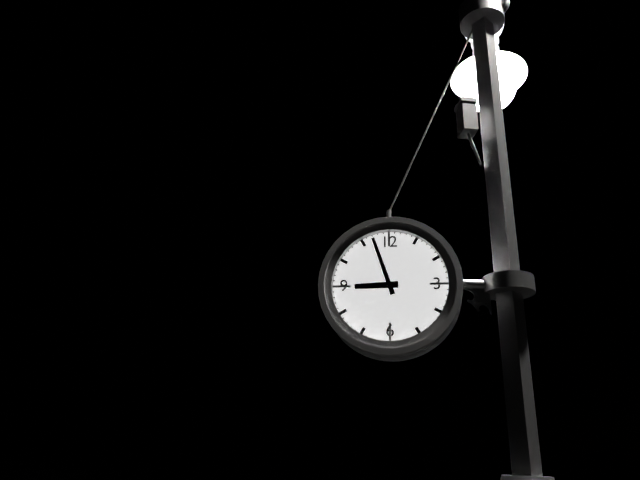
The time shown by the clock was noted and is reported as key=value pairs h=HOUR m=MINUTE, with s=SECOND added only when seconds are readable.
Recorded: h=8 m=57
